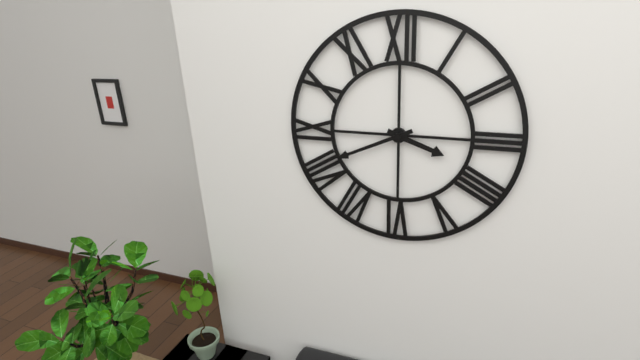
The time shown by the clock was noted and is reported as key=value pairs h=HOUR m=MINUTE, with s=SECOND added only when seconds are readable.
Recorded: h=3 m=41
